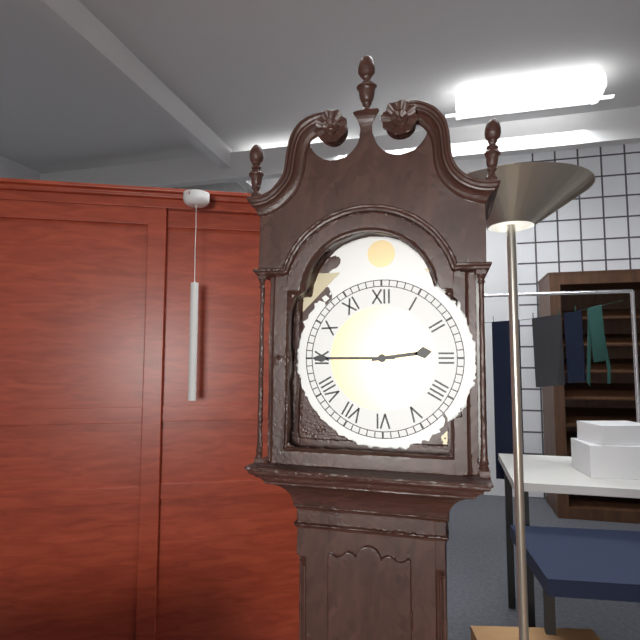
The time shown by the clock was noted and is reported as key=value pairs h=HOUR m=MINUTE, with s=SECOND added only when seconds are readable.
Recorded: h=2 m=45
